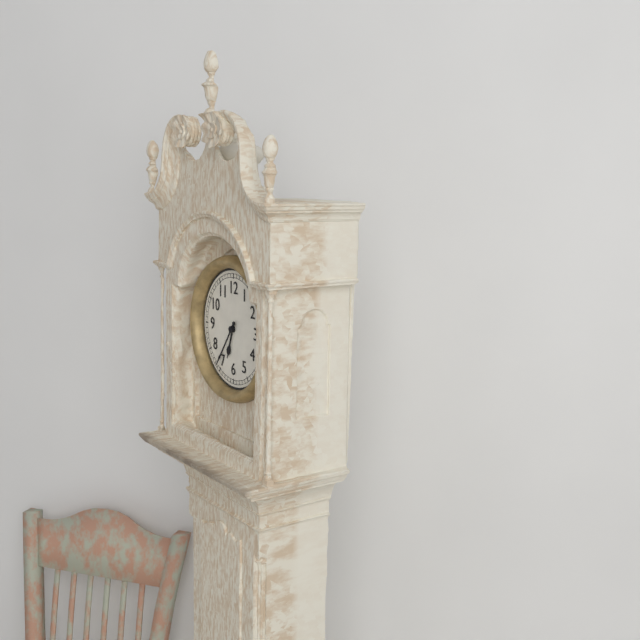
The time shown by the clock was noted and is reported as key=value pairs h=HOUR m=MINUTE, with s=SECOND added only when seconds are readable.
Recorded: h=6 m=36
